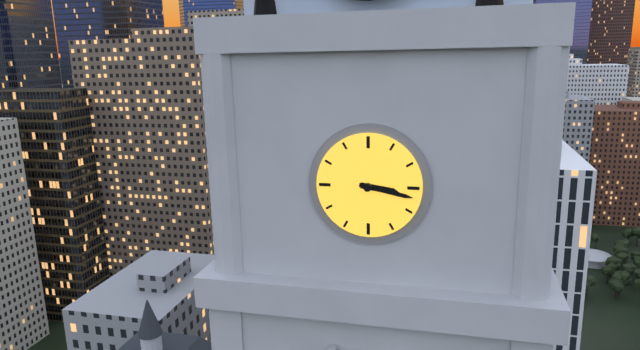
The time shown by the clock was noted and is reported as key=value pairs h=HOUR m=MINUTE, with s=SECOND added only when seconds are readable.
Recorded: h=3 m=17
